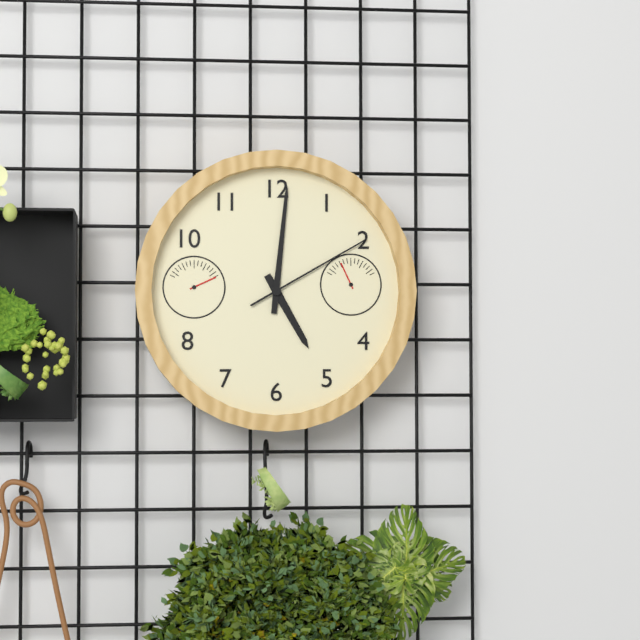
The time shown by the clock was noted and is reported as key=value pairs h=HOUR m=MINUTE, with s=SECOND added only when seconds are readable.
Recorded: h=5 m=1 s=10
